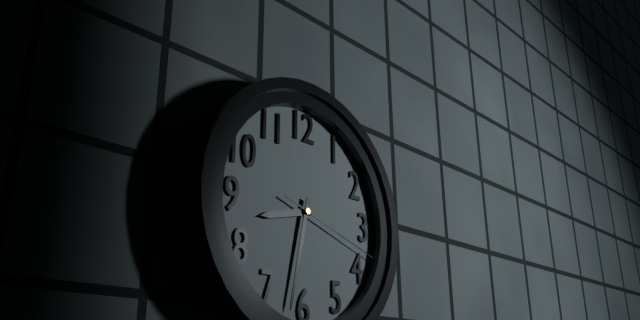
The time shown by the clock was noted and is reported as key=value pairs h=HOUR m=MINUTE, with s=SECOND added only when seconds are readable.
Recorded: h=8 m=32 s=18
